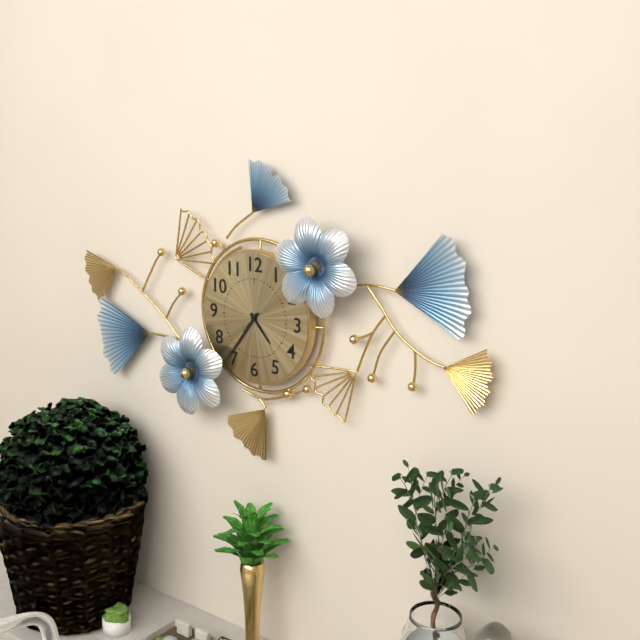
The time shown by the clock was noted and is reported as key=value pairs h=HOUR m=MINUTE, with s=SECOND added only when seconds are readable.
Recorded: h=4 m=36
